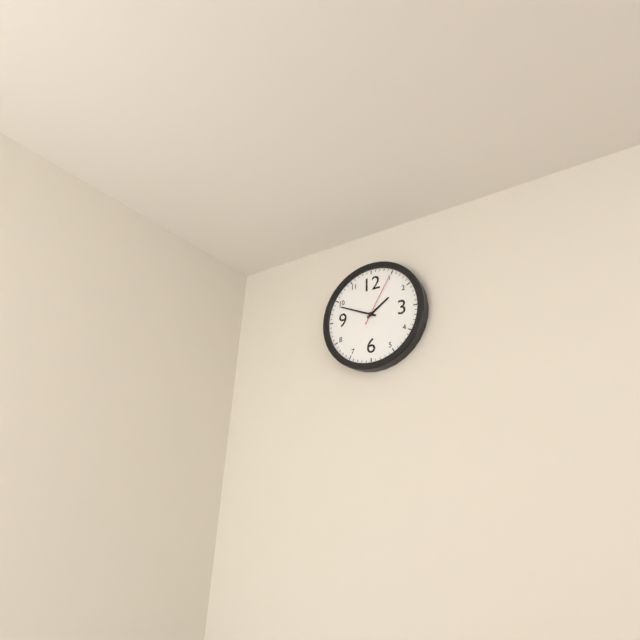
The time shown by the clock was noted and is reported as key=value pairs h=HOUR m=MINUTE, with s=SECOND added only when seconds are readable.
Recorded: h=1 m=49 s=5
